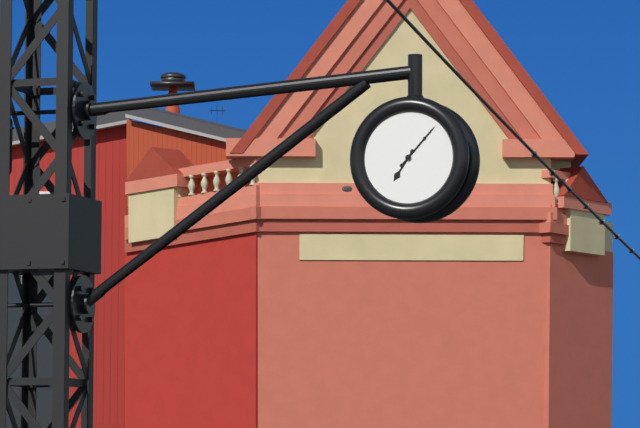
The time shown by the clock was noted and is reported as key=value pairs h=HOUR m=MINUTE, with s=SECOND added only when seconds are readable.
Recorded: h=7 m=7
